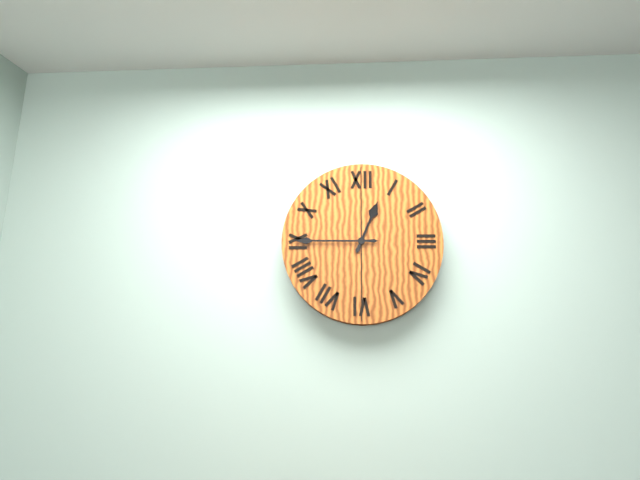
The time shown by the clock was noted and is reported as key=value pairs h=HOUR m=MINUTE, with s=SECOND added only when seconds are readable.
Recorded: h=12 m=45
